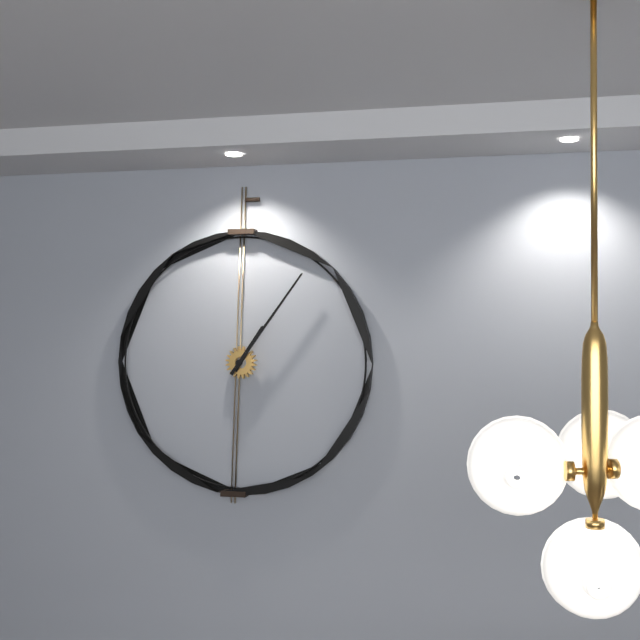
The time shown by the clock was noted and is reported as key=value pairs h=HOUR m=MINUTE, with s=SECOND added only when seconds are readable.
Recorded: h=1 m=6
